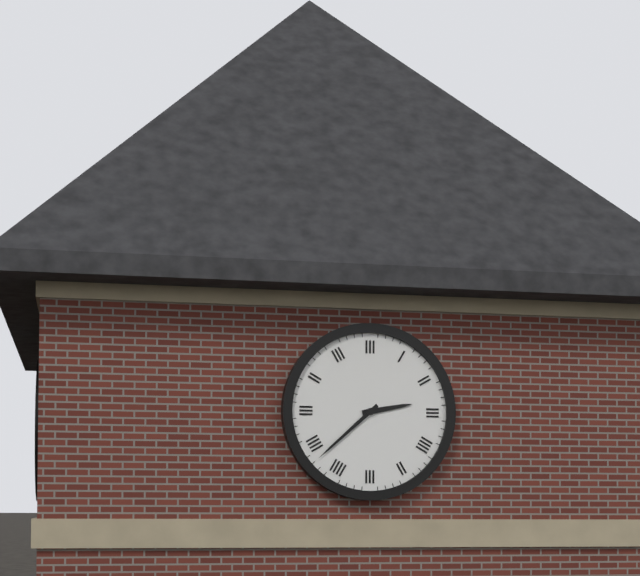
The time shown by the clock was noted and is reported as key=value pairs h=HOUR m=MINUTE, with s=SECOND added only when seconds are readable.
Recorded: h=2 m=38
